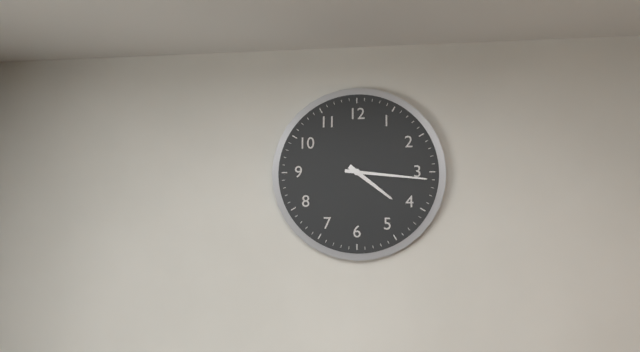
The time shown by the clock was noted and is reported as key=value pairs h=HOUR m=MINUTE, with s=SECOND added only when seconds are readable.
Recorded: h=4 m=16
